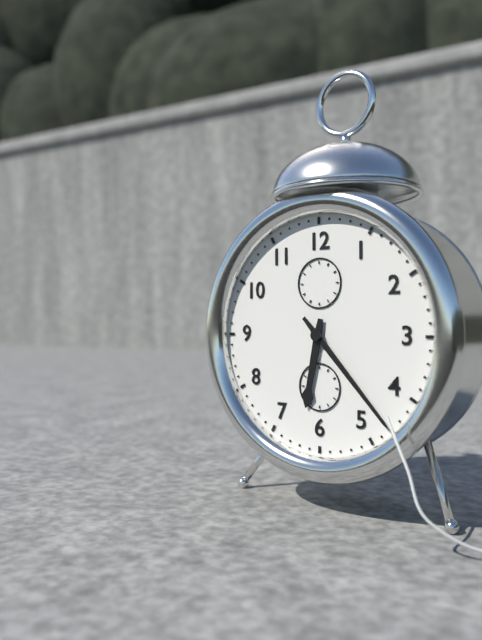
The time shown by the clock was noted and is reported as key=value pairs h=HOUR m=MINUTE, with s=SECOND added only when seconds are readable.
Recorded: h=6 m=23
